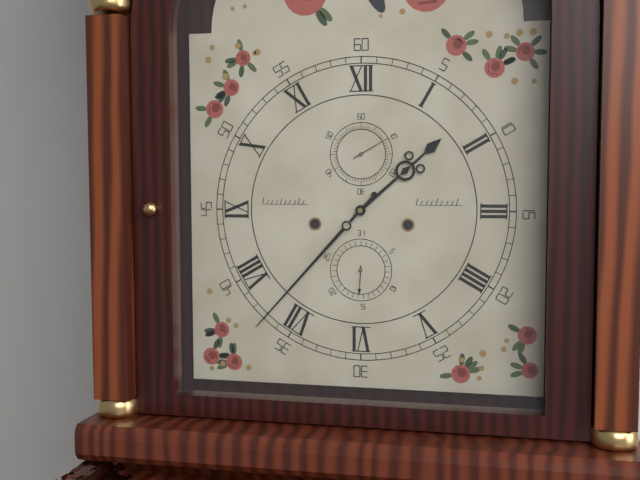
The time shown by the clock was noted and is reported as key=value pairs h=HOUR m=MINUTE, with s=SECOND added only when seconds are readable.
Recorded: h=1 m=37
